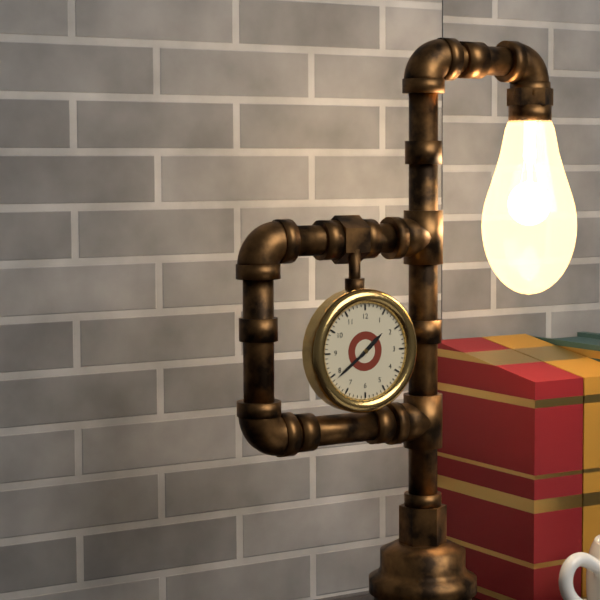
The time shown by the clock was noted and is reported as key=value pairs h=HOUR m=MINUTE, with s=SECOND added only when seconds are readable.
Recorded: h=1 m=39
